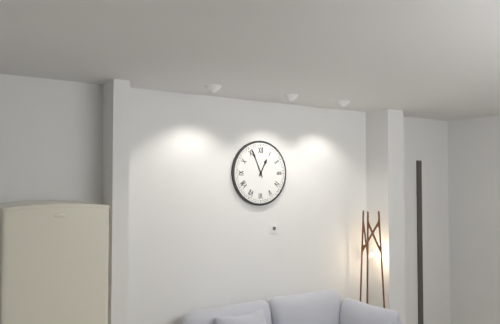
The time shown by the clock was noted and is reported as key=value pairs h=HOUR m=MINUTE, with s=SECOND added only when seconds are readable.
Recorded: h=12 m=56
